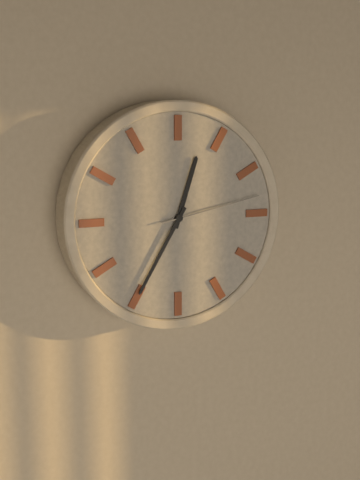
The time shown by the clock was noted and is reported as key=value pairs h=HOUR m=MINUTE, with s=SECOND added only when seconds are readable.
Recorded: h=12 m=35 s=13
